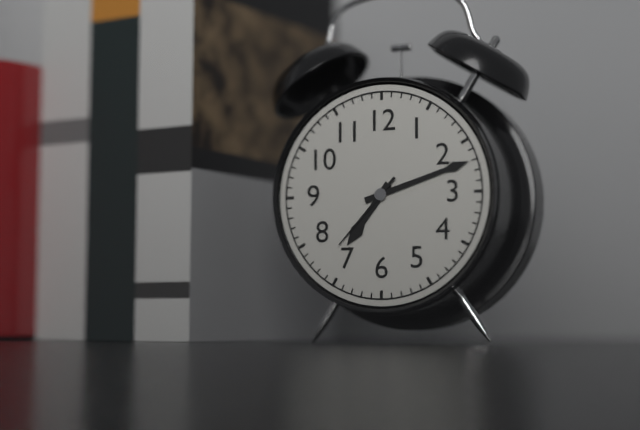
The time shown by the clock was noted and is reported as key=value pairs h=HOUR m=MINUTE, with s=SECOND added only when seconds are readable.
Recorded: h=7 m=12 s=37
